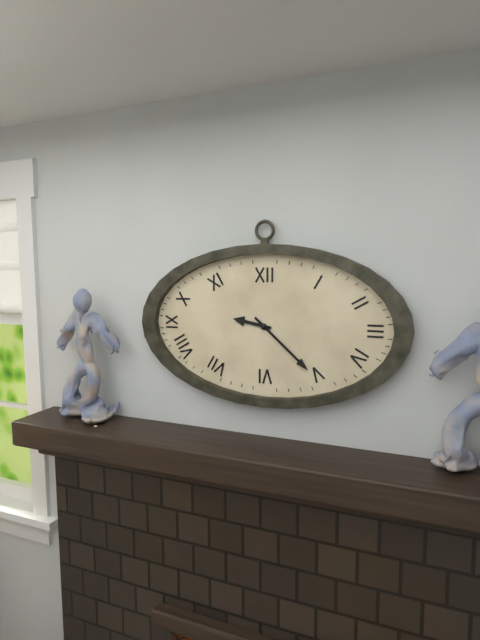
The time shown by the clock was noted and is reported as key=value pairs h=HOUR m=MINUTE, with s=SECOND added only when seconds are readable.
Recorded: h=9 m=22
